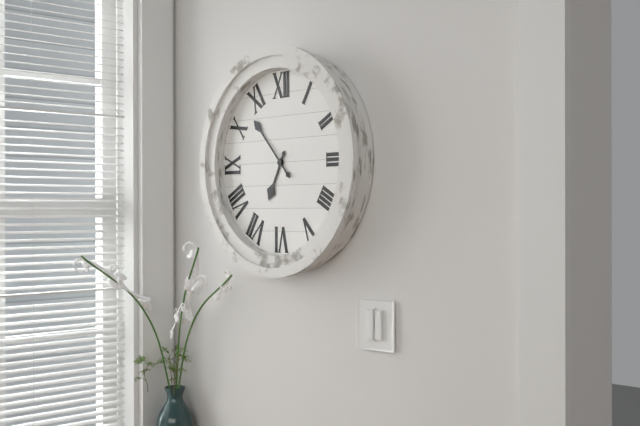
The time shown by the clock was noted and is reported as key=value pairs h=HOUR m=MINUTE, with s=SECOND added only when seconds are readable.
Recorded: h=6 m=53
